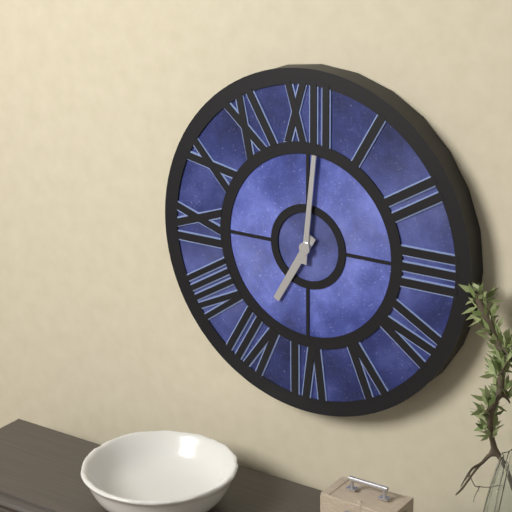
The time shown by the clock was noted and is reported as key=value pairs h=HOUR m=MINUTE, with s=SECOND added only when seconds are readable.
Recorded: h=7 m=1
